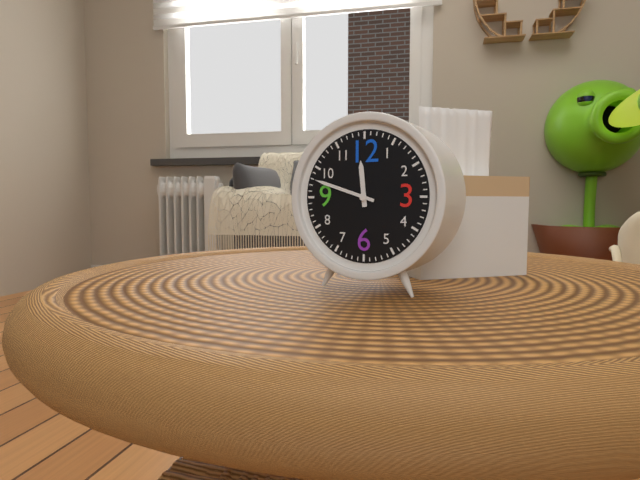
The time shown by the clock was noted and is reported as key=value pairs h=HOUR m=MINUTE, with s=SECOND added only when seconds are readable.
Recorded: h=11 m=48
